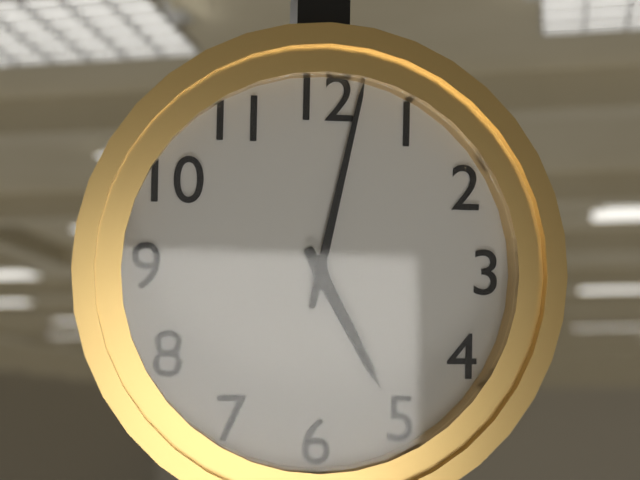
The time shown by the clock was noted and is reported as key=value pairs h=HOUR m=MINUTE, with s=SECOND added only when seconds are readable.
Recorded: h=5 m=2
